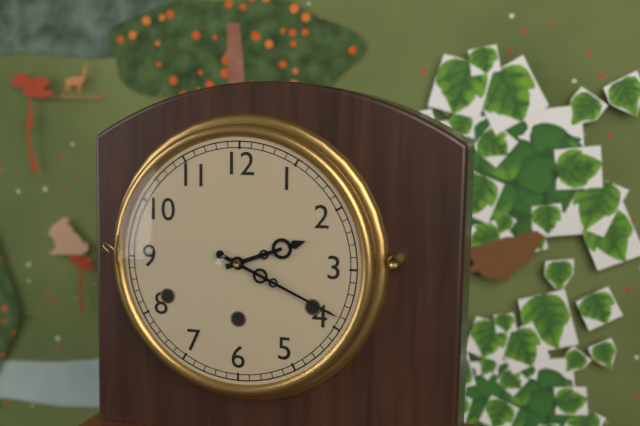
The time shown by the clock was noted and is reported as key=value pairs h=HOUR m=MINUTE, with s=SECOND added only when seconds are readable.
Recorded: h=2 m=19
